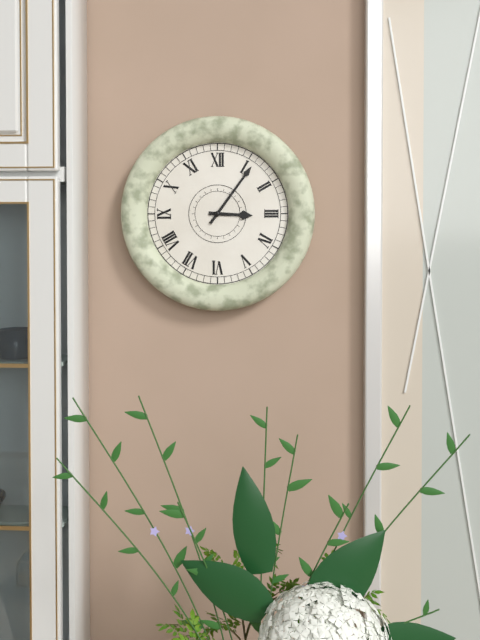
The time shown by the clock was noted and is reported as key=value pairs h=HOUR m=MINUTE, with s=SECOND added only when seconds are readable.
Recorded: h=3 m=6
